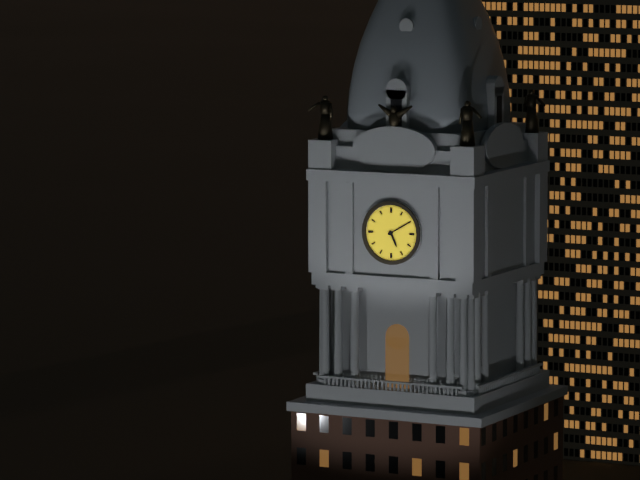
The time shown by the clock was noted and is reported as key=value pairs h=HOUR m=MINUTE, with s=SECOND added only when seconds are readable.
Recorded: h=5 m=10
